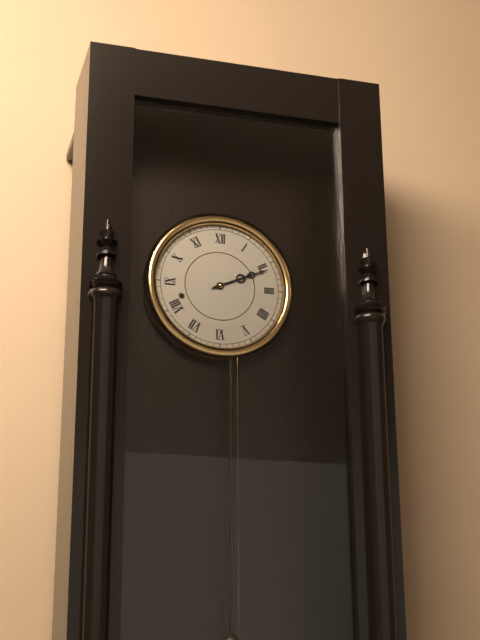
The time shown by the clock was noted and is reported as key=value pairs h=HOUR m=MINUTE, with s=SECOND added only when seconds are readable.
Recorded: h=2 m=11
